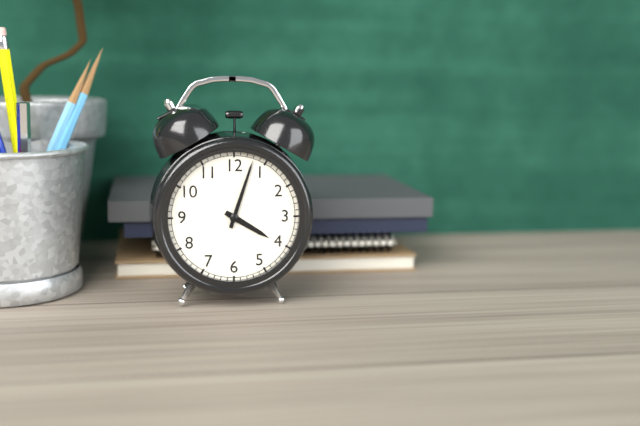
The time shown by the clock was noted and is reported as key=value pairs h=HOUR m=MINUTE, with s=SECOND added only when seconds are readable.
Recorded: h=4 m=3
